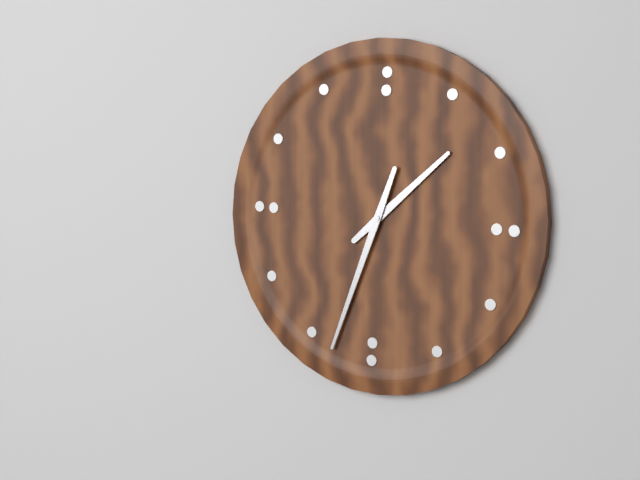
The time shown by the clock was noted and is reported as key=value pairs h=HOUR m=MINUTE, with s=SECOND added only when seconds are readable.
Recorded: h=1 m=33
